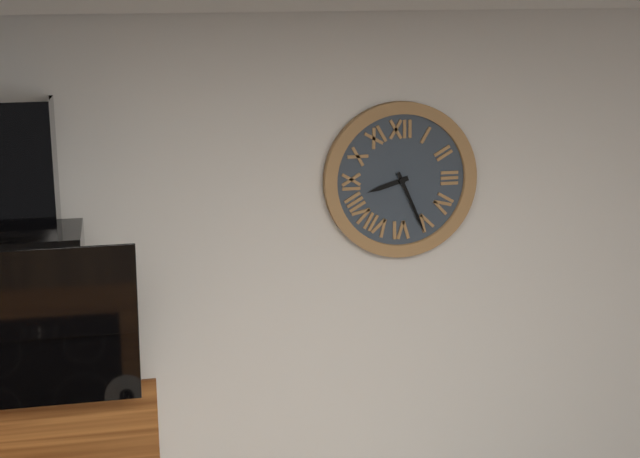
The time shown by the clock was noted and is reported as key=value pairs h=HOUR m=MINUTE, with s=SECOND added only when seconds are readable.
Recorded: h=8 m=26
